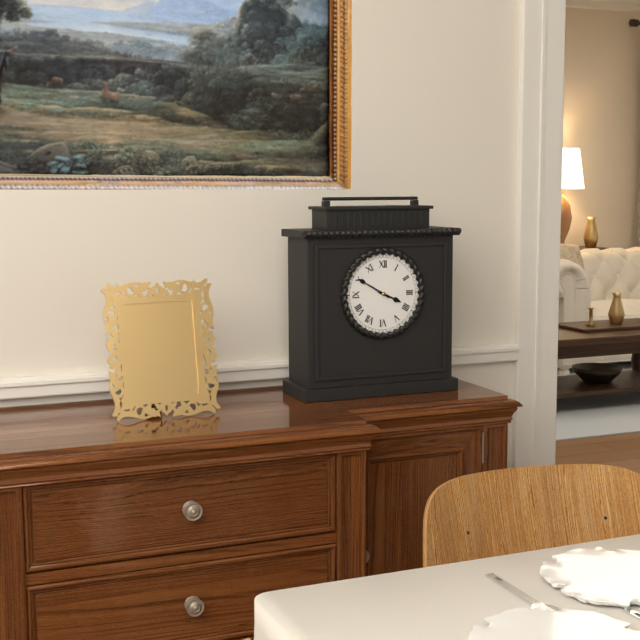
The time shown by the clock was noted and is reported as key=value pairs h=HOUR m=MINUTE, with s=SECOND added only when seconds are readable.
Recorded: h=3 m=50
